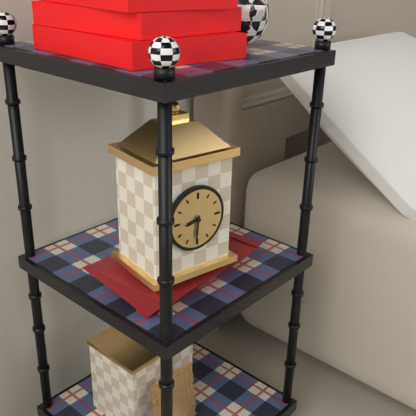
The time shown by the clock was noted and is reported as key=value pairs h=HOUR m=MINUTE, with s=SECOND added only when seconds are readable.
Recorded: h=8 m=31
